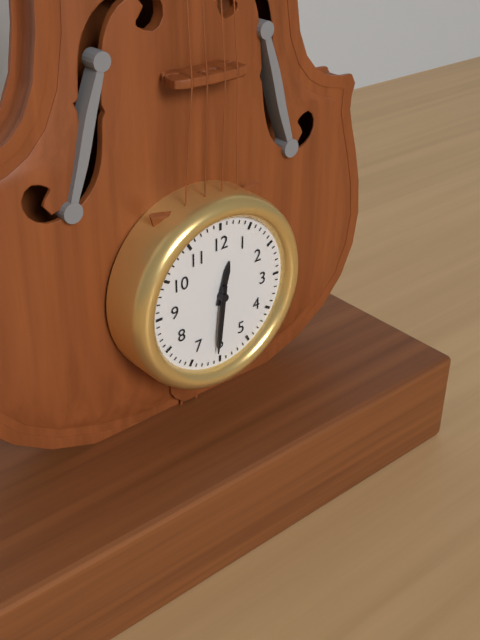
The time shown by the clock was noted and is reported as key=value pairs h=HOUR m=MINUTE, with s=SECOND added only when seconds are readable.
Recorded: h=12 m=31
